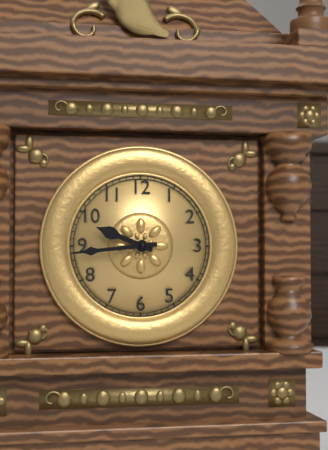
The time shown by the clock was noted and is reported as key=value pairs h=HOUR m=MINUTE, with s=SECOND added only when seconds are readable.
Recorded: h=9 m=44
